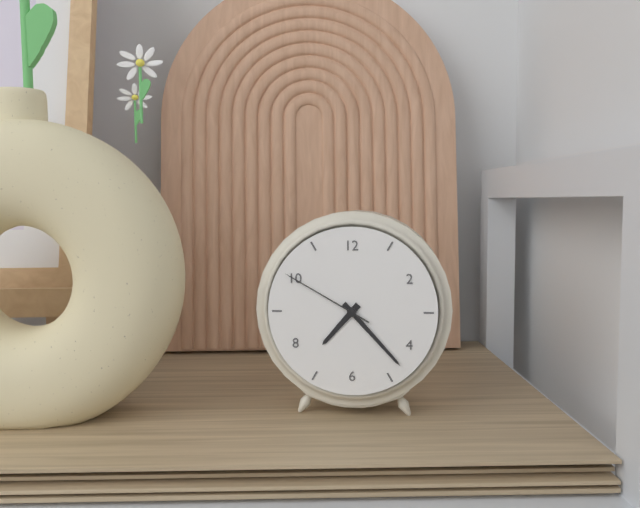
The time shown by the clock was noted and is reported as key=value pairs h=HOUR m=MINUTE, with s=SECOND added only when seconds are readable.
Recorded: h=7 m=23 s=50
